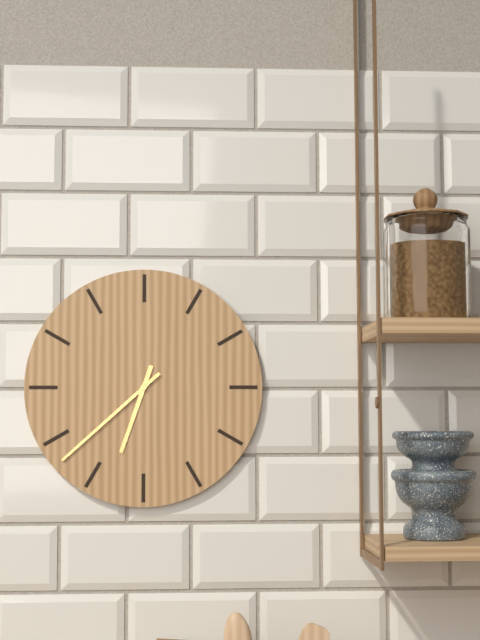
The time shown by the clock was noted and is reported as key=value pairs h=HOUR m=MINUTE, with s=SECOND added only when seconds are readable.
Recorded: h=6 m=38
